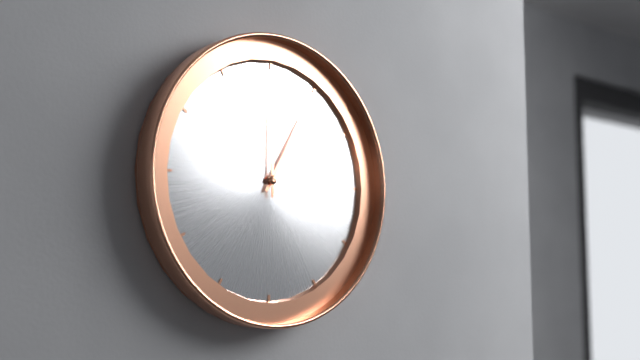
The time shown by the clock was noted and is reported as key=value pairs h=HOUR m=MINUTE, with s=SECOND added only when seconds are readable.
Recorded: h=1 m=0
